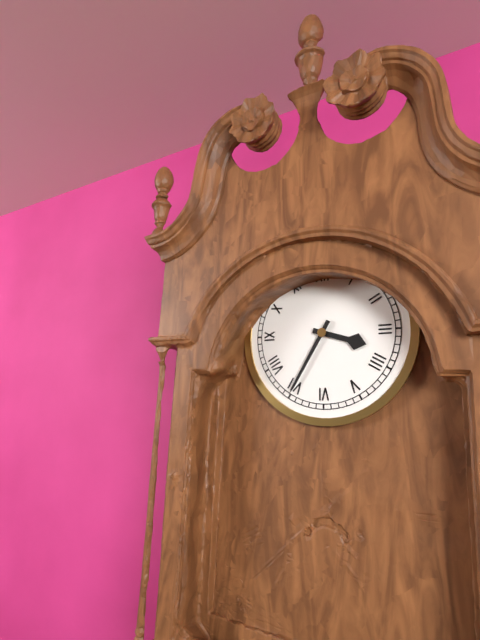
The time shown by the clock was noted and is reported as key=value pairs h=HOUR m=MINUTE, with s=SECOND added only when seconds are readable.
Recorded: h=3 m=35
